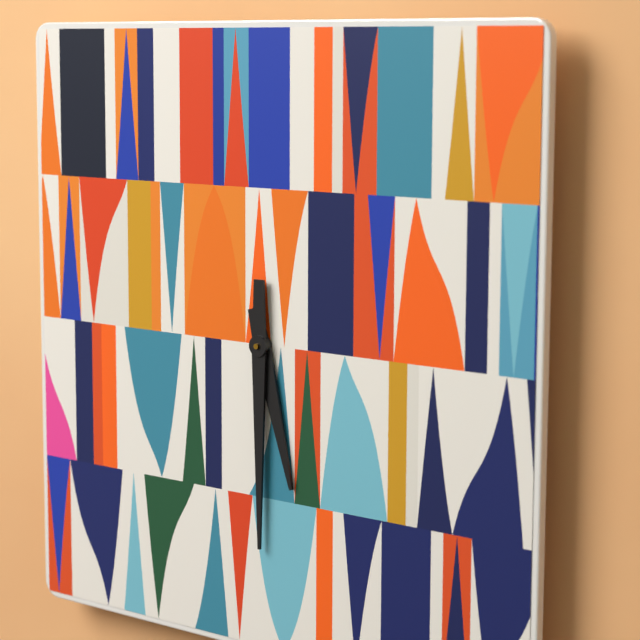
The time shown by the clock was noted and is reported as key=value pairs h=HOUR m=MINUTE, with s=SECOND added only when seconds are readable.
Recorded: h=5 m=30
